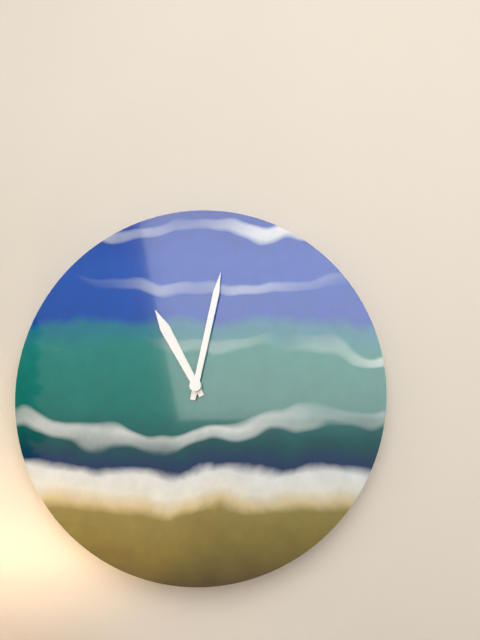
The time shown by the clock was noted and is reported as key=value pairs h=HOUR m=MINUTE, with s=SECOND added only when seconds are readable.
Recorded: h=11 m=2
